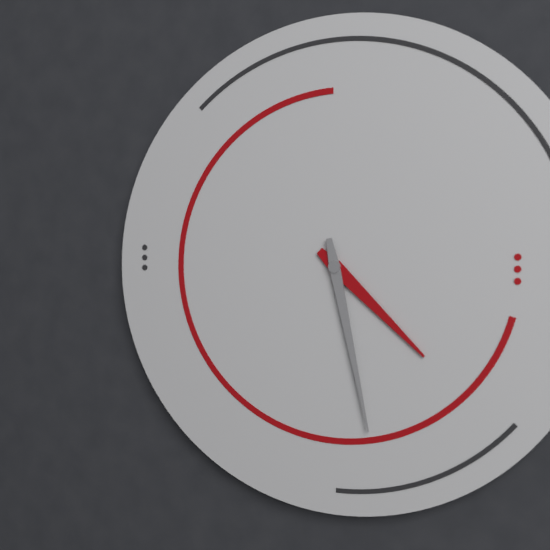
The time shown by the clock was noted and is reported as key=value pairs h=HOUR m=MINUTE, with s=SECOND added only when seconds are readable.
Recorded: h=4 m=28
